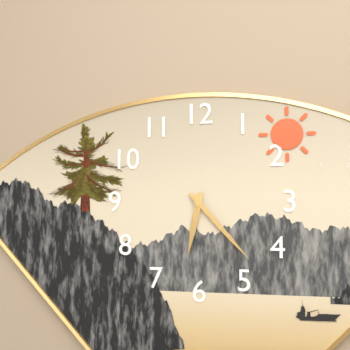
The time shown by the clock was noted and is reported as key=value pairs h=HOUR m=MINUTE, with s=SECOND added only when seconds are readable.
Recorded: h=6 m=23
